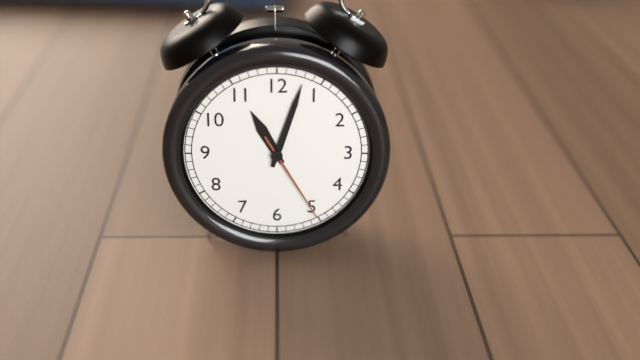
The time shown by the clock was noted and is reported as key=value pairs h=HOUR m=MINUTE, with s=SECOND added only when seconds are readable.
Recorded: h=11 m=3 s=25
